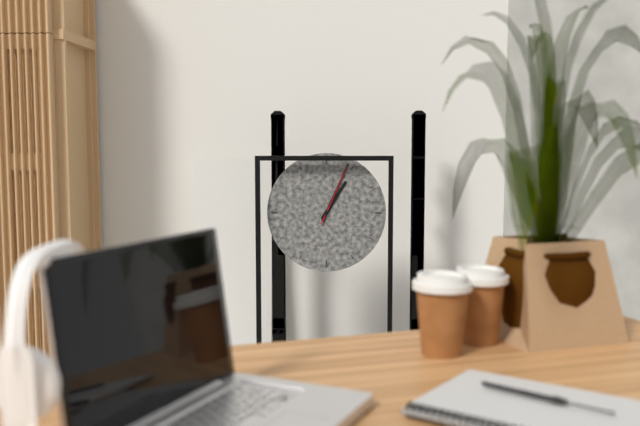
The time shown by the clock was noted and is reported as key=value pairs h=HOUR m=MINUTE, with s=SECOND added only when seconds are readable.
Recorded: h=1 m=4 s=4
